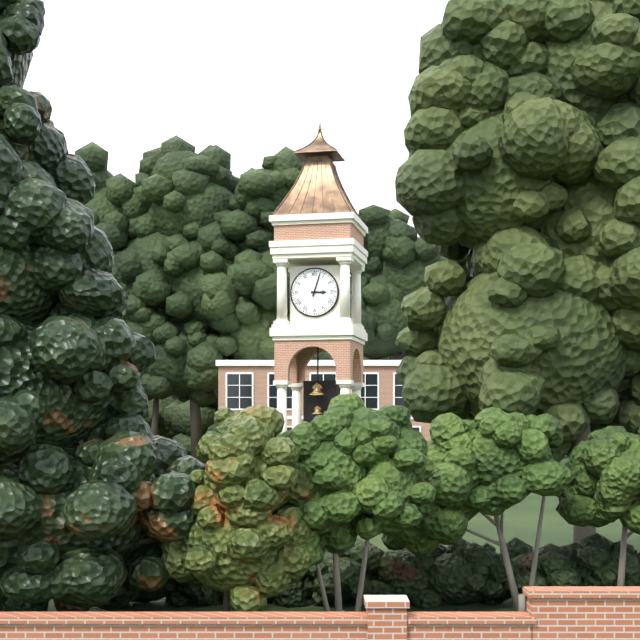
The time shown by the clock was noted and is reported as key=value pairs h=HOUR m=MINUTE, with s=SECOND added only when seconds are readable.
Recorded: h=3 m=3
